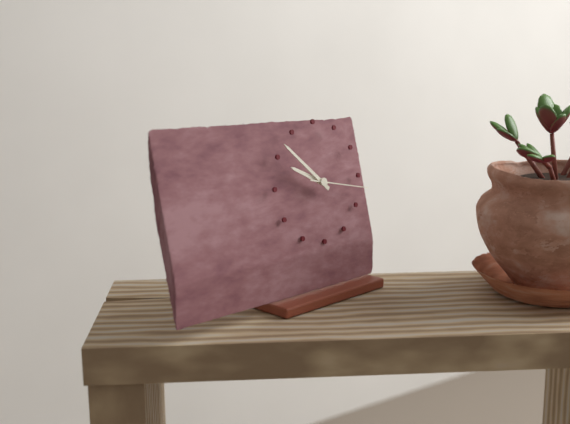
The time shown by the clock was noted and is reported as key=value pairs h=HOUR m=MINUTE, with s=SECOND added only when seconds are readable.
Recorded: h=9 m=52 s=17
